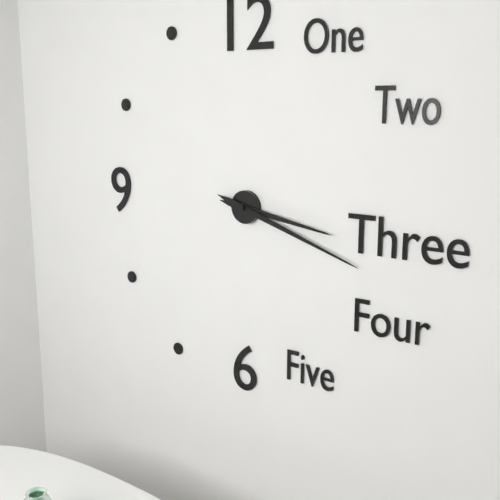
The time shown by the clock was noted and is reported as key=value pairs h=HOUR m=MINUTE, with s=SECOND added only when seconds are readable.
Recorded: h=3 m=18
